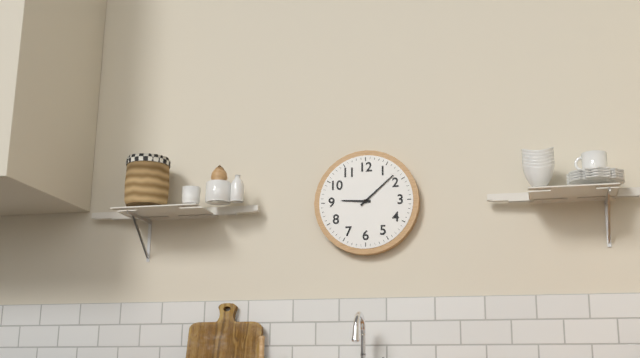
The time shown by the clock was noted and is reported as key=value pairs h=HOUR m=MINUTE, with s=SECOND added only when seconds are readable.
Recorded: h=9 m=8
